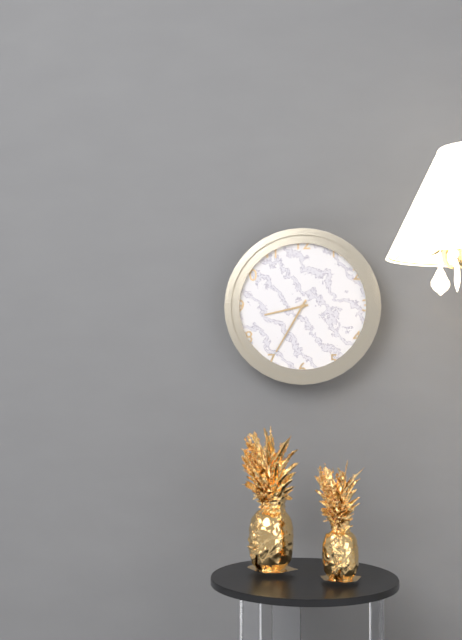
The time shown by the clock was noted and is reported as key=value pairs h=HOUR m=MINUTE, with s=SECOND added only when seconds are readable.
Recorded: h=8 m=35
